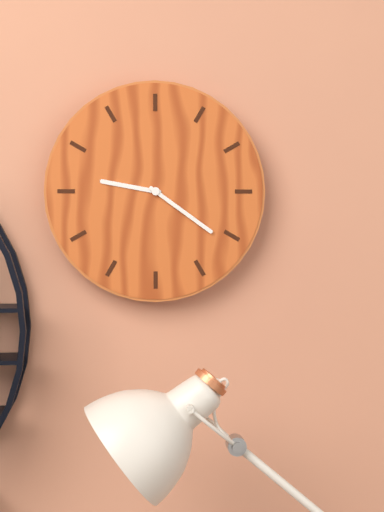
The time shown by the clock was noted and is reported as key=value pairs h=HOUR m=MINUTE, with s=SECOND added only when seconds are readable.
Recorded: h=9 m=21
